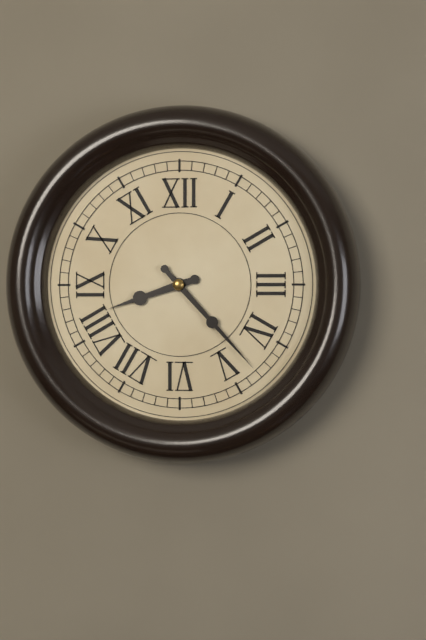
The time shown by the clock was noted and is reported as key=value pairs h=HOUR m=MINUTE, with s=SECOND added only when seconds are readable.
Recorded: h=8 m=23
